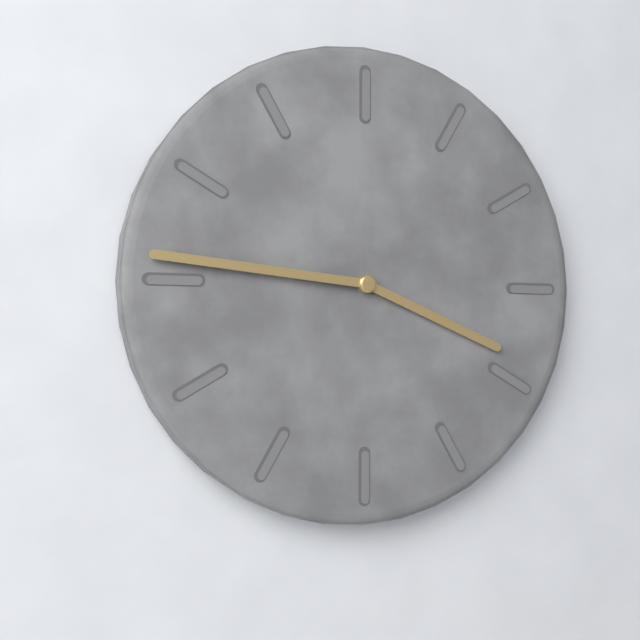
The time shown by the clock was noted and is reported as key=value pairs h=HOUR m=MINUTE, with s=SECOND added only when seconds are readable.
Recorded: h=3 m=46
